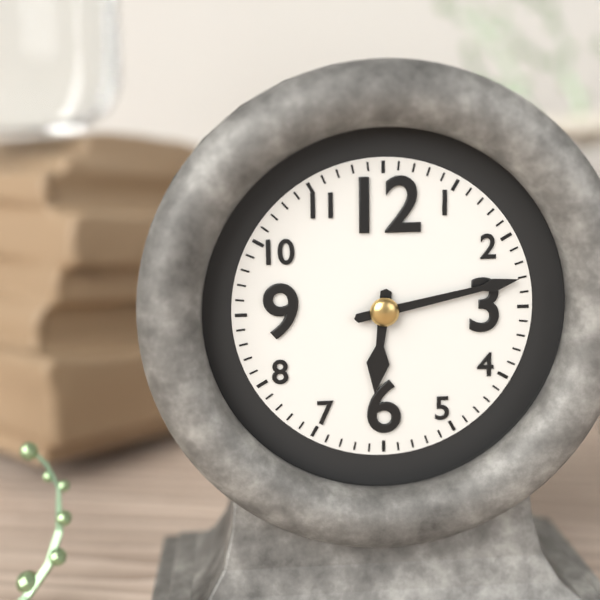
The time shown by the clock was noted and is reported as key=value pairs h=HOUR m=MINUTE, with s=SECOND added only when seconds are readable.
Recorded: h=6 m=13
